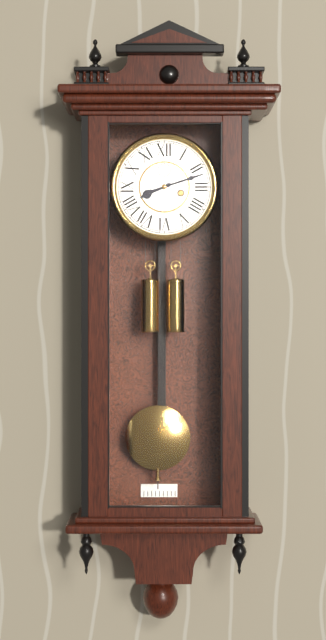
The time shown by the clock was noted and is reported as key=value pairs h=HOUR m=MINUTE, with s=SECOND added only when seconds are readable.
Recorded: h=8 m=12
